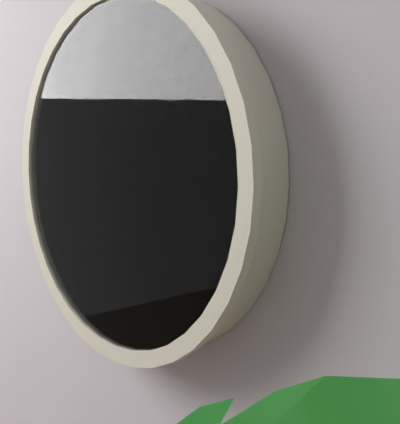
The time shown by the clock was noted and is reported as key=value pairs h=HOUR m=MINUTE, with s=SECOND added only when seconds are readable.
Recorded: h=2 m=9 s=35
